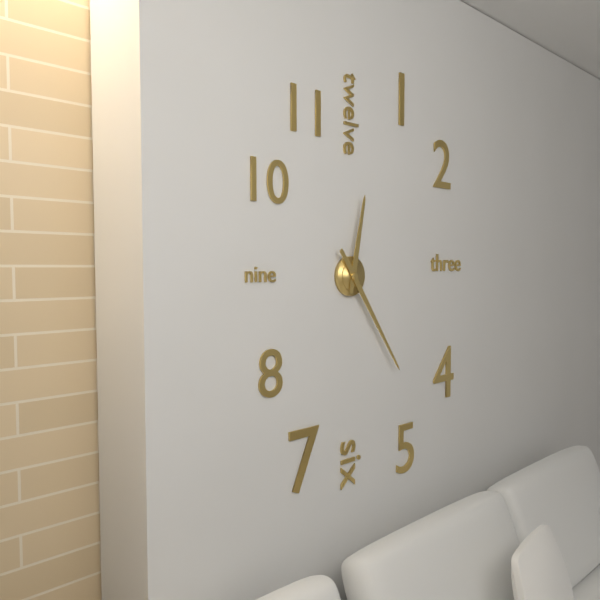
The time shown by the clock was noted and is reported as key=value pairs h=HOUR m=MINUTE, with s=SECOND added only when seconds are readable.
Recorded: h=12 m=24
